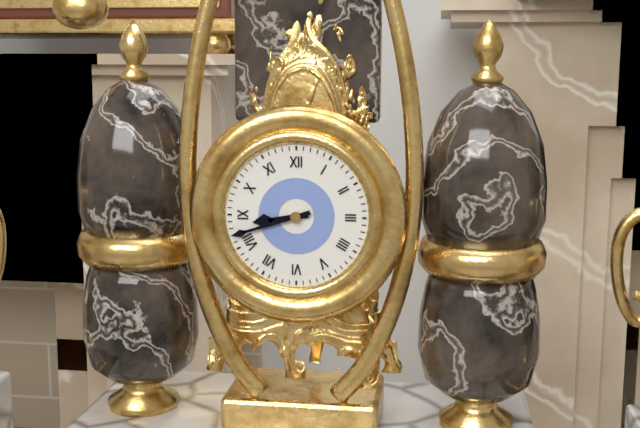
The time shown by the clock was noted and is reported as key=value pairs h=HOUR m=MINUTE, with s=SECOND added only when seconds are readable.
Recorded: h=8 m=42
